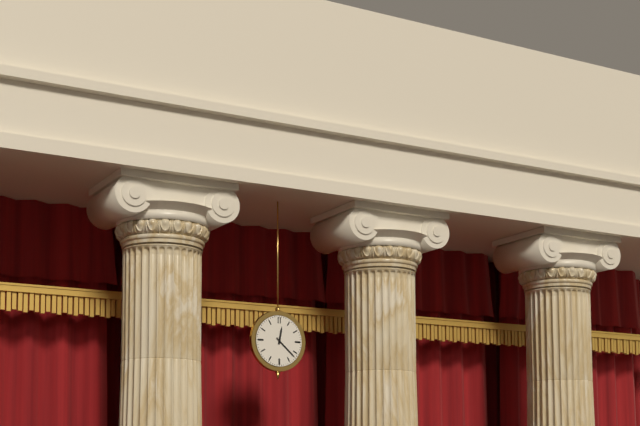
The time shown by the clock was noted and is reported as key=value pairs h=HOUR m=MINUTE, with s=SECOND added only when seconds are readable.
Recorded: h=12 m=22
